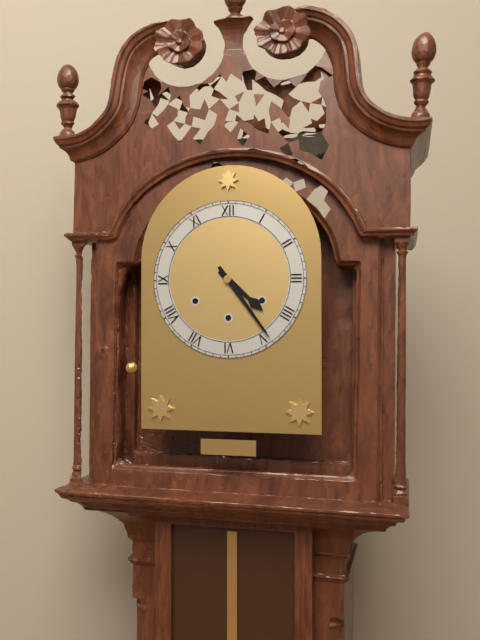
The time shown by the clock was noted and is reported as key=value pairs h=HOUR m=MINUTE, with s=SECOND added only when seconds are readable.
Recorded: h=4 m=24
